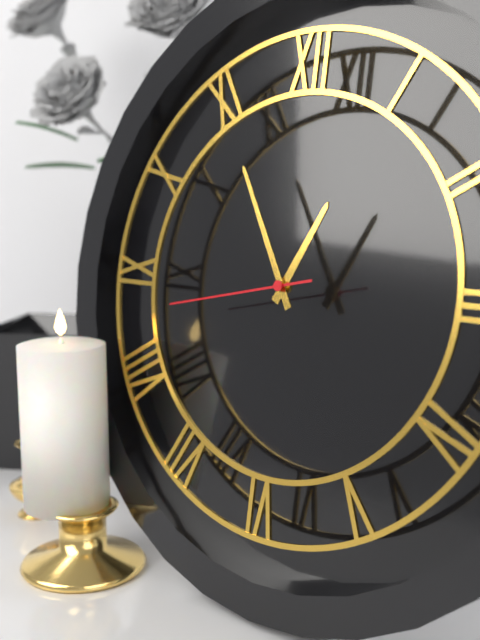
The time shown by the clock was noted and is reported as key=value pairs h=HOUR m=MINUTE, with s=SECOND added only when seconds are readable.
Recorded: h=12 m=55 s=43
